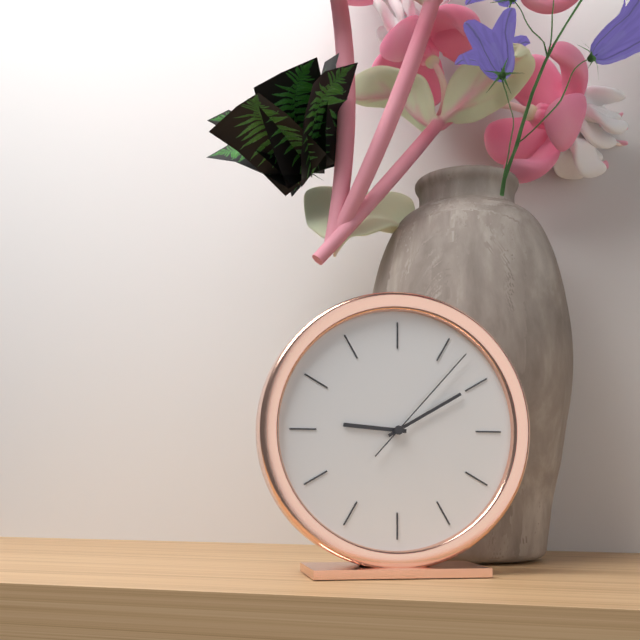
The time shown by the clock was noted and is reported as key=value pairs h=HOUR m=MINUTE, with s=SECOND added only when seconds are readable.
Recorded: h=9 m=10 s=7
